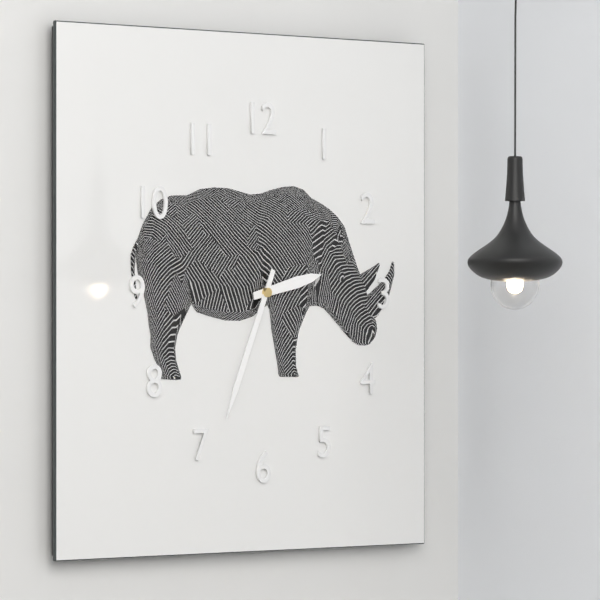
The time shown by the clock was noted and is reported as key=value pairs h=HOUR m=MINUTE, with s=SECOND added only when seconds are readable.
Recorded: h=2 m=34
